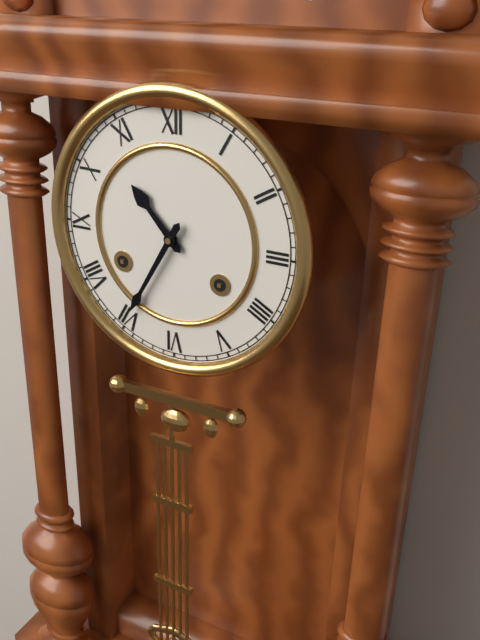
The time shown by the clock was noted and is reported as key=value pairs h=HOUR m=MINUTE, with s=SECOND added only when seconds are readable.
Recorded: h=10 m=35
